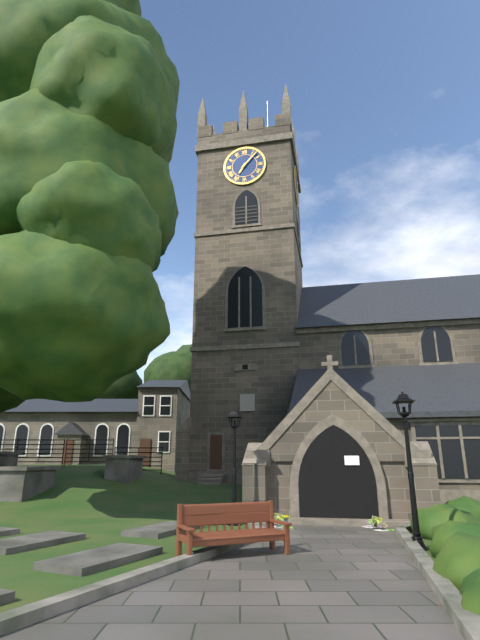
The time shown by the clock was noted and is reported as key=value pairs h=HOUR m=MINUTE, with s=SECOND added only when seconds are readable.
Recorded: h=7 m=7
